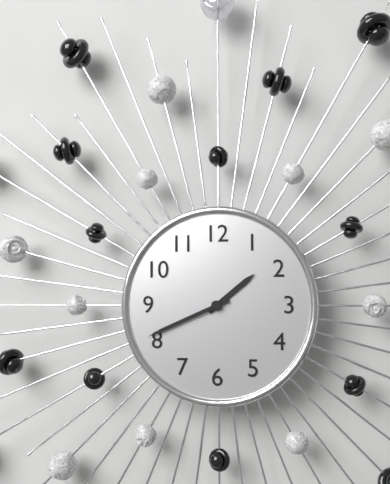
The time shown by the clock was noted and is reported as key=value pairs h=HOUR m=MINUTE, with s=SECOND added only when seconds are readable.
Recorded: h=1 m=41
